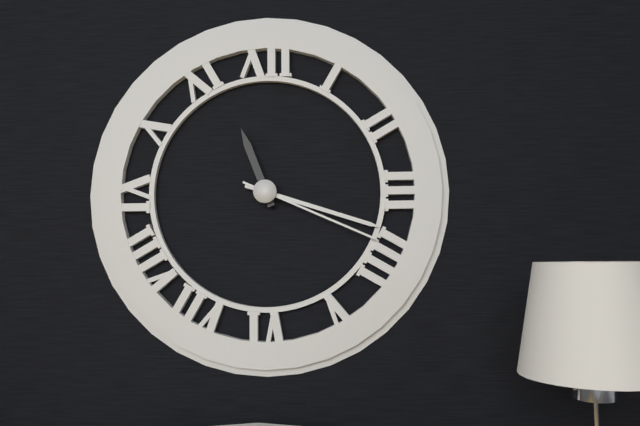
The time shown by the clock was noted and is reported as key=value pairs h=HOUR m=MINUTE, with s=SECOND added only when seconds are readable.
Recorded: h=11 m=18 s=19
